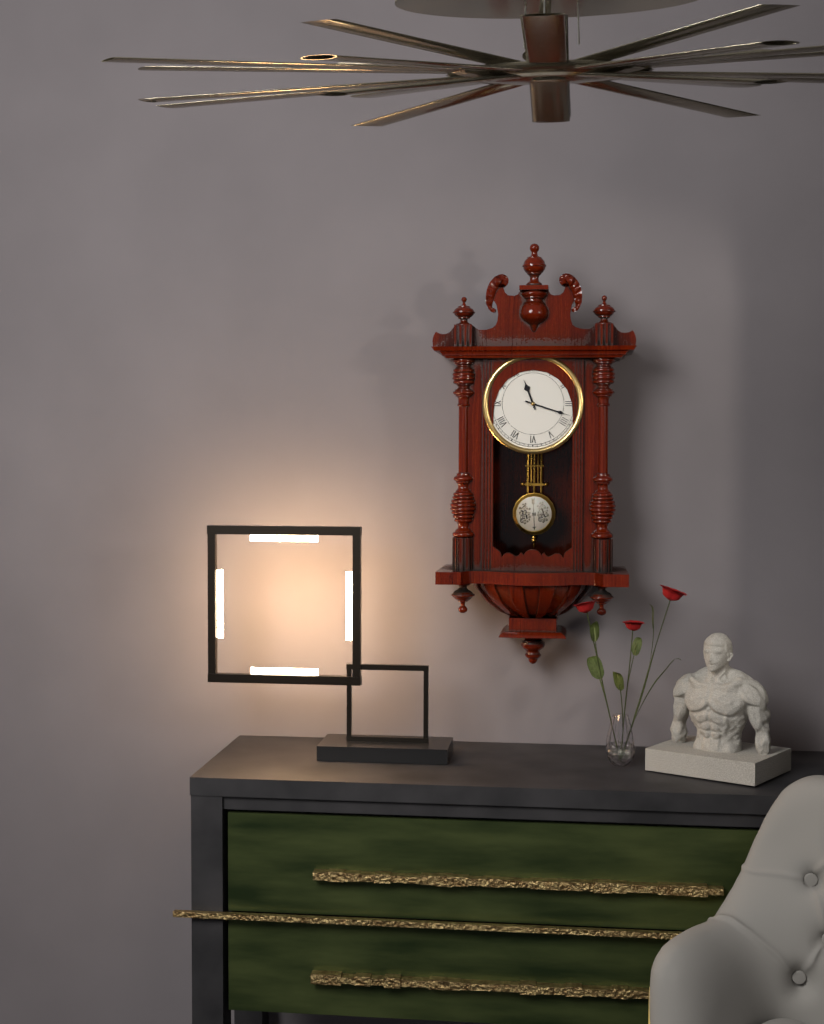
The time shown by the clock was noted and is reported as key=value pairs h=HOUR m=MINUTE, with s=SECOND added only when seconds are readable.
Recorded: h=11 m=18
